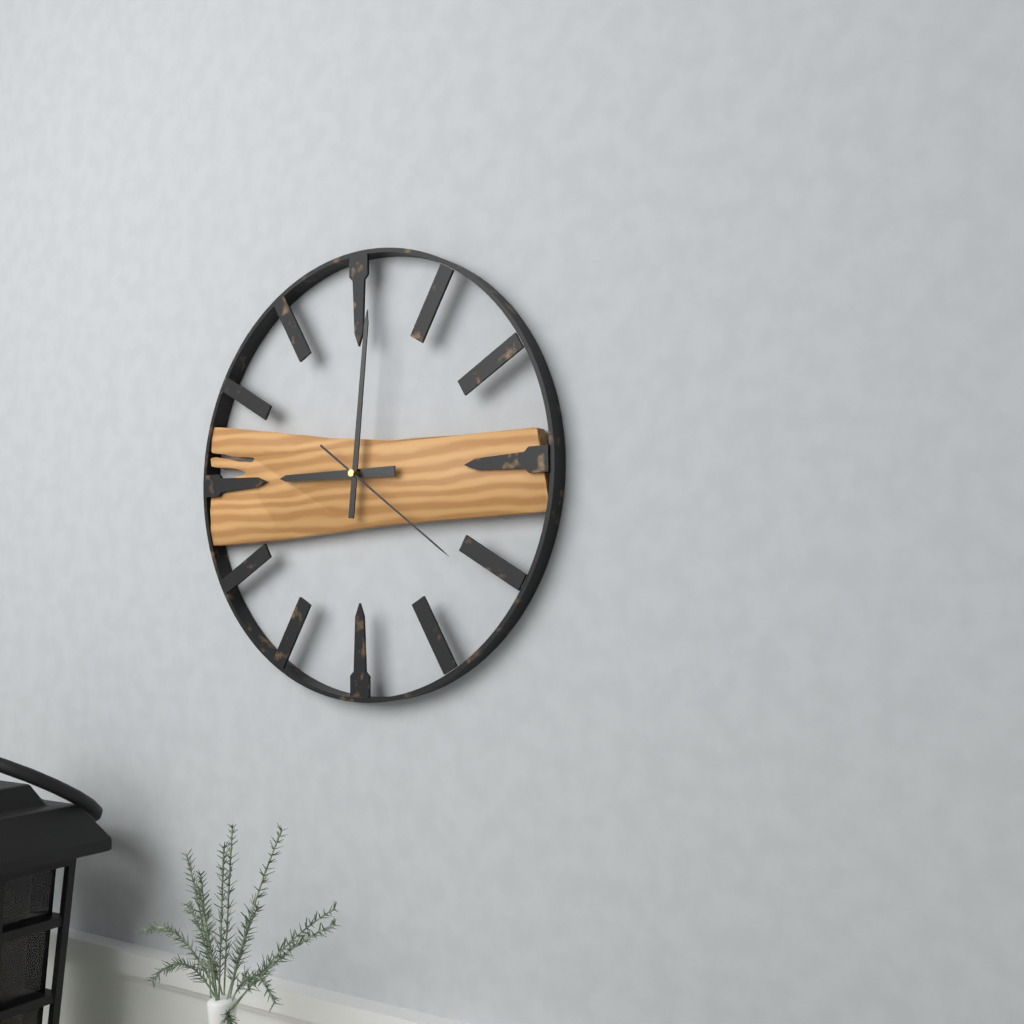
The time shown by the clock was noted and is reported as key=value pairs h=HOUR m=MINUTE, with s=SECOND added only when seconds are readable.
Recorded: h=9 m=1 s=21
